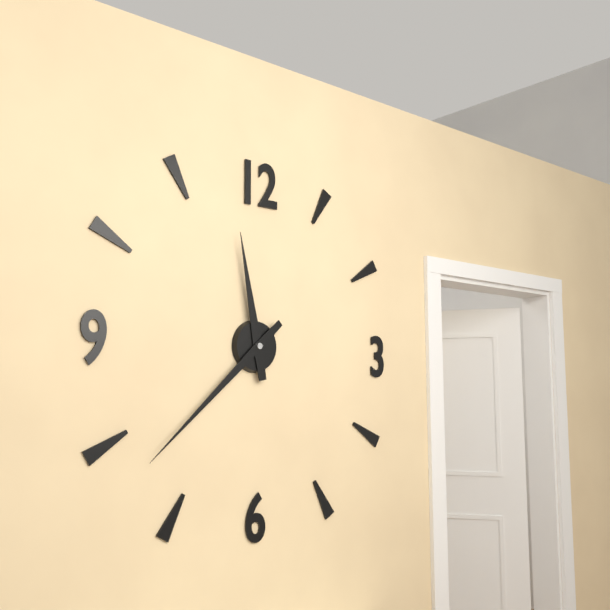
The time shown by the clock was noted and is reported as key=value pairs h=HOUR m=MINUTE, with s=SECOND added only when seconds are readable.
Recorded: h=11 m=38
